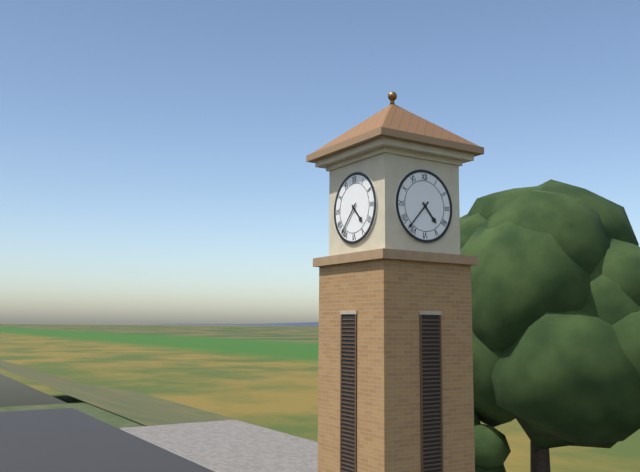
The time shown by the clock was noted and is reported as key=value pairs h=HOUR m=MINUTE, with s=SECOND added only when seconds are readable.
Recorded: h=4 m=37
